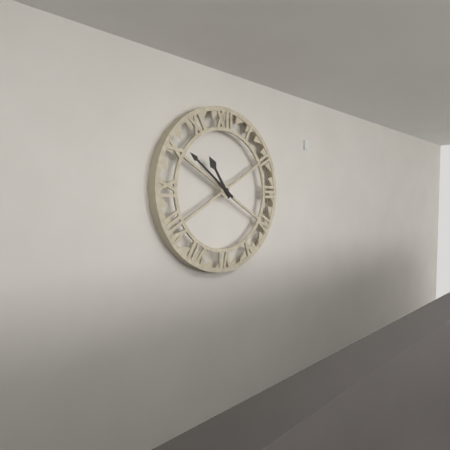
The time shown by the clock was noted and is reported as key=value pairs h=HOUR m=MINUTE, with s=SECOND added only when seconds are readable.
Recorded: h=10 m=51
